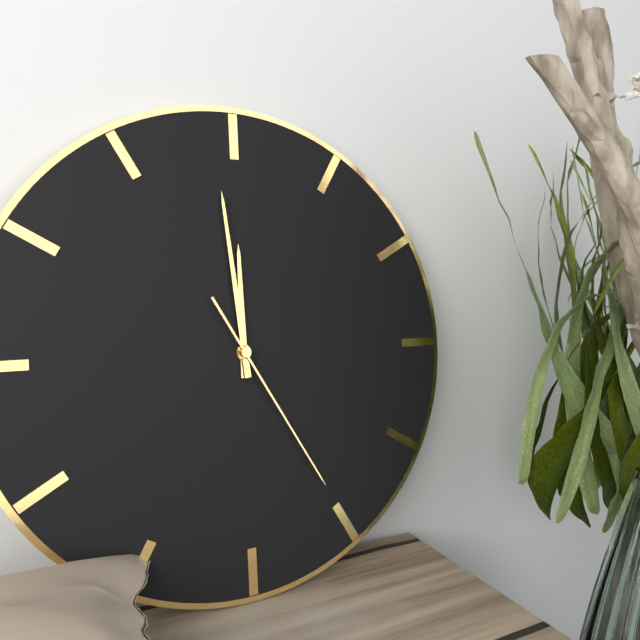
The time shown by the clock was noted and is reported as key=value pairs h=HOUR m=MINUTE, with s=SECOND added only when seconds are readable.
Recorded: h=11 m=59 s=25
